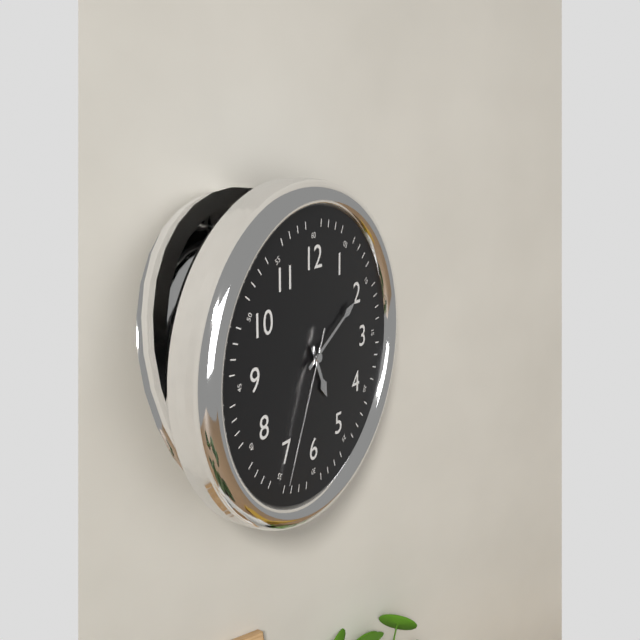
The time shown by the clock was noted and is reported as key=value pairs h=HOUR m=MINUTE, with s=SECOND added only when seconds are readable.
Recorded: h=5 m=10 s=34
